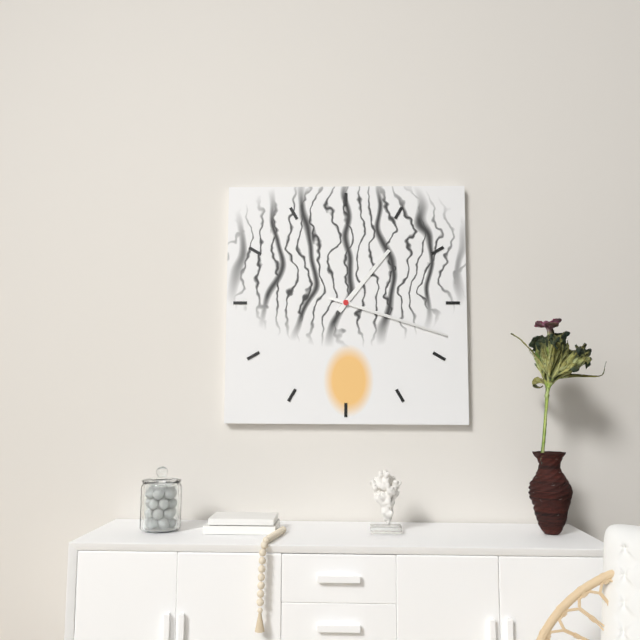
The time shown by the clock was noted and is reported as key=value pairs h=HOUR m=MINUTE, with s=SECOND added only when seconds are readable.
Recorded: h=1 m=18
